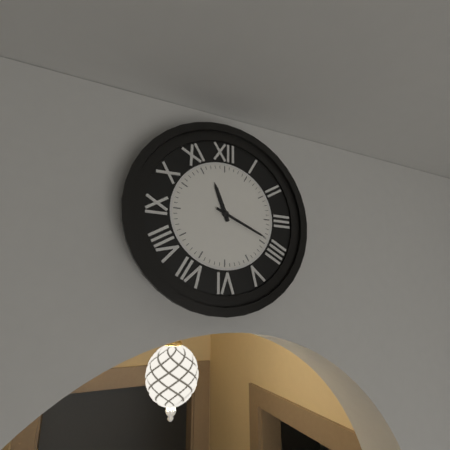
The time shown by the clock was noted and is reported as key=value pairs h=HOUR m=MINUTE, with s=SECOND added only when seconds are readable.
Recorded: h=11 m=19
